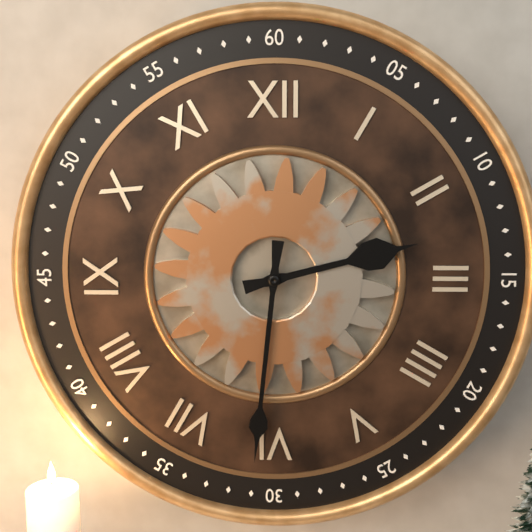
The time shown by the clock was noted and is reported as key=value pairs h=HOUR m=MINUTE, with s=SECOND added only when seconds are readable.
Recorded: h=2 m=31
